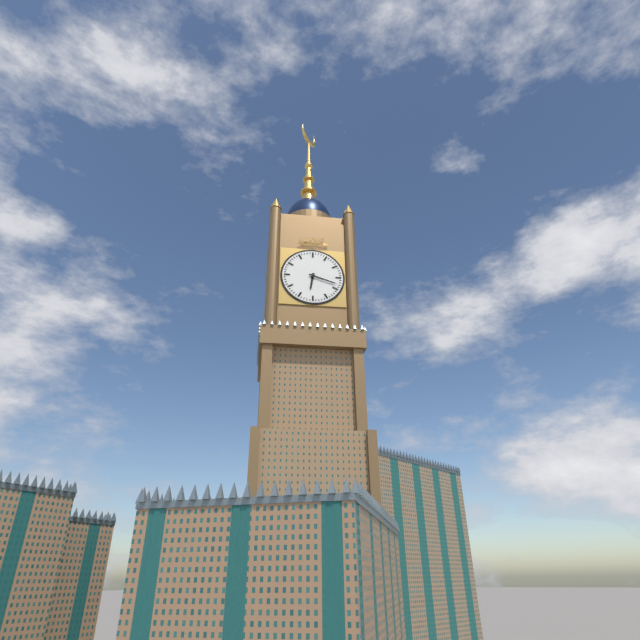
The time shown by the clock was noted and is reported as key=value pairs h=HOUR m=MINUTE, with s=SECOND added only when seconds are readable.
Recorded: h=6 m=18
